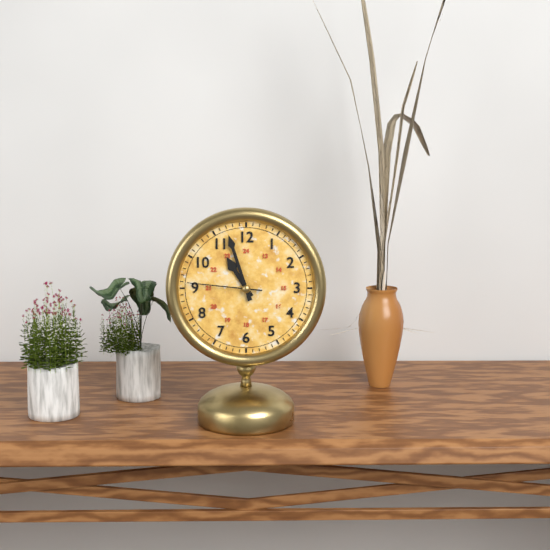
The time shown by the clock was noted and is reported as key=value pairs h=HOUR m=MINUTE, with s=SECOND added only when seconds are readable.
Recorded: h=10 m=57 s=46
